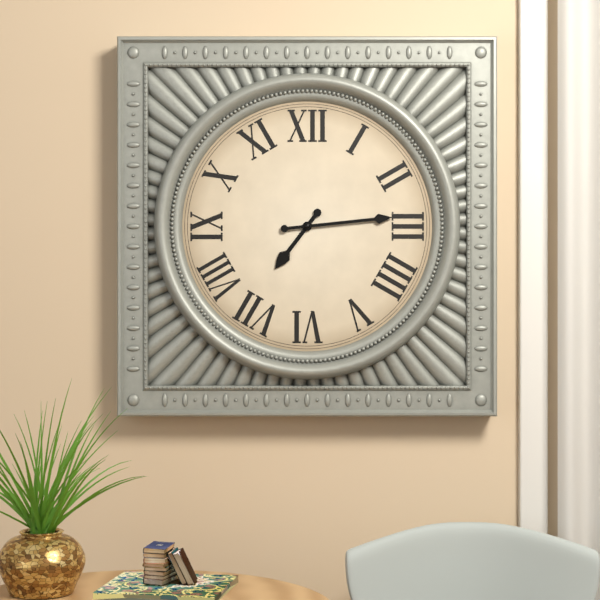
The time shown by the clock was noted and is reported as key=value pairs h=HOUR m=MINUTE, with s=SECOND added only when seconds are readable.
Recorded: h=7 m=14
